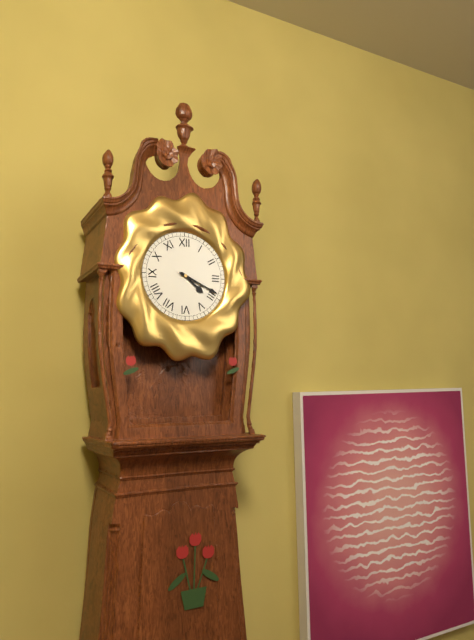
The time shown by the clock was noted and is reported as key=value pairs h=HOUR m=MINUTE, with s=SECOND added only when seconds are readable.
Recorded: h=4 m=19
